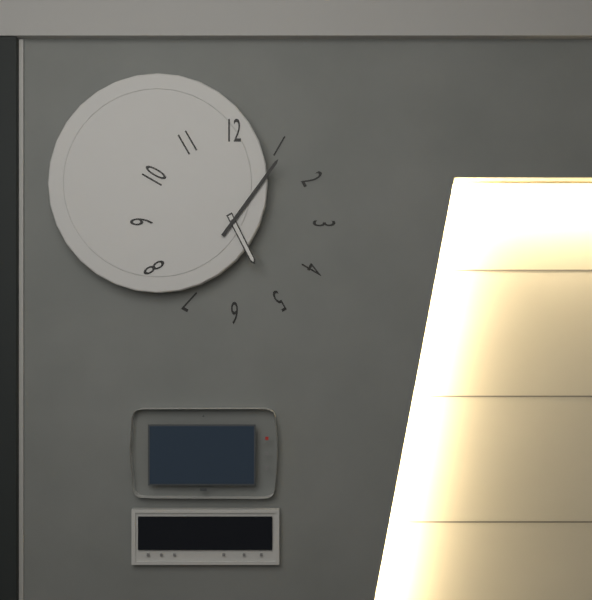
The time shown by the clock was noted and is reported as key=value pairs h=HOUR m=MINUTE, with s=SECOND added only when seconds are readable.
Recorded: h=5 m=6
